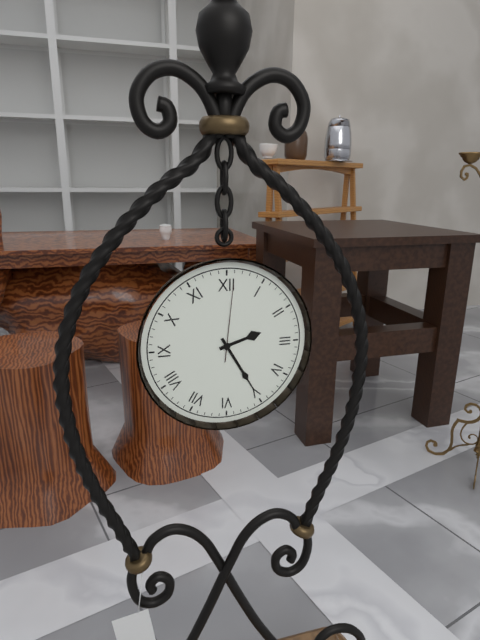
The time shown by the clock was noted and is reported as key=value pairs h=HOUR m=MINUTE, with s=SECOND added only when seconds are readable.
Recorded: h=2 m=25 s=1
